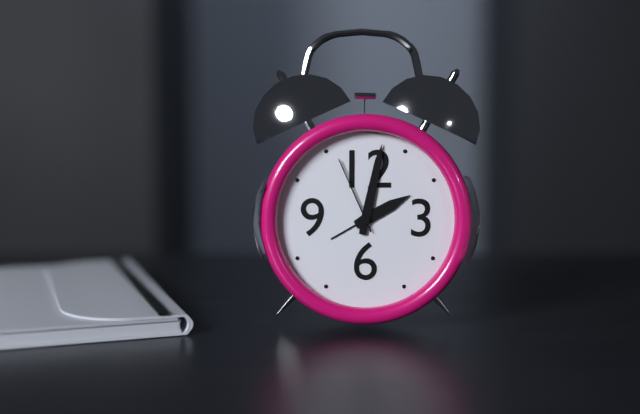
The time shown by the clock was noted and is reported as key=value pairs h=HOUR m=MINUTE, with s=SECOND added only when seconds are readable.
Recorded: h=2 m=2 s=56
